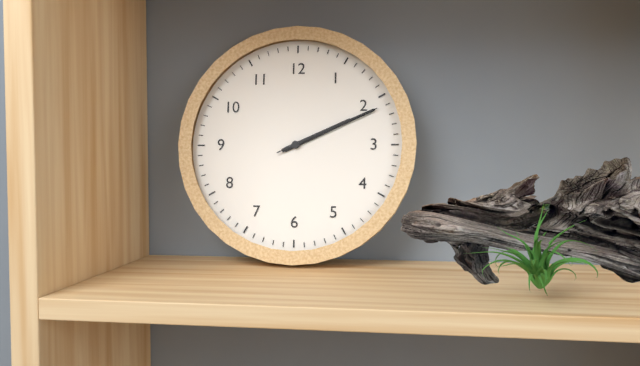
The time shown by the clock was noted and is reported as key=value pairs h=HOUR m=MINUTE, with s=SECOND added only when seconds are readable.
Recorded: h=2 m=11 s=11
